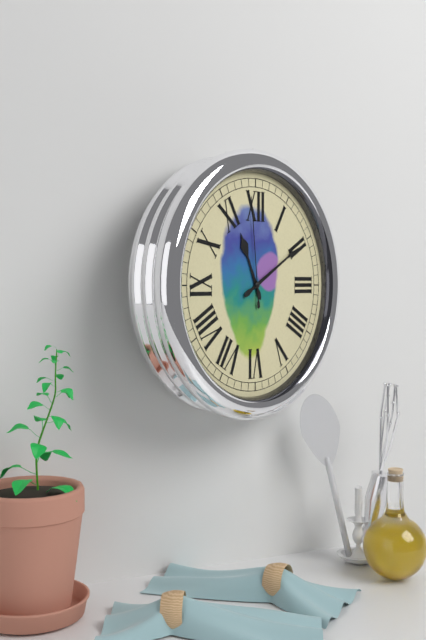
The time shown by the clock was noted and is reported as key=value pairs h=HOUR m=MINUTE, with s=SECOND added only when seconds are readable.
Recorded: h=11 m=10 s=59
